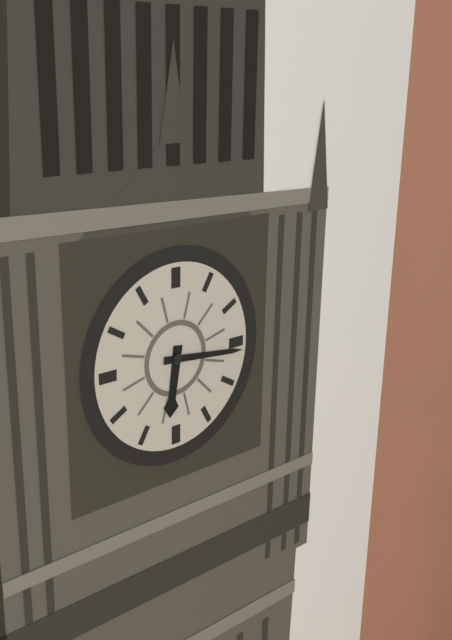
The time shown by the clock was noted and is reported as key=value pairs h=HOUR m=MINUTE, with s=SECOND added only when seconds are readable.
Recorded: h=6 m=16
